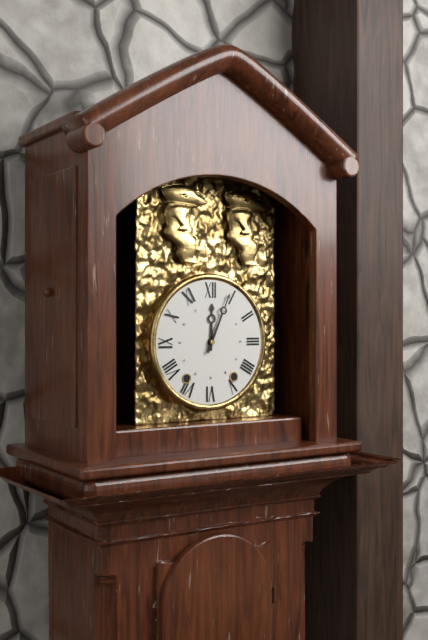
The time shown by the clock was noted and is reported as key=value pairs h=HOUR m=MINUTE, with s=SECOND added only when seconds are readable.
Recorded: h=12 m=4
